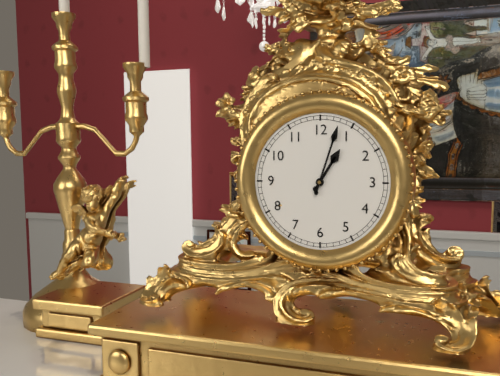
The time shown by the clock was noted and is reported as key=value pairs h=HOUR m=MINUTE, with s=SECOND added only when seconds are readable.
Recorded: h=1 m=3
